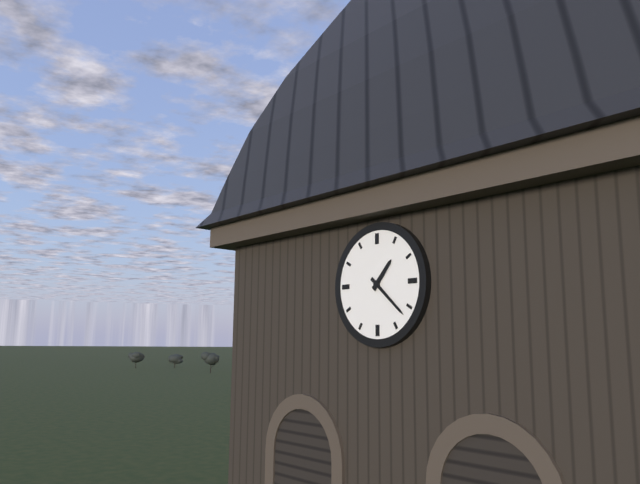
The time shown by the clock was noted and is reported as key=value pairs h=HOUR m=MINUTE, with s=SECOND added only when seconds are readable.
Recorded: h=1 m=22
